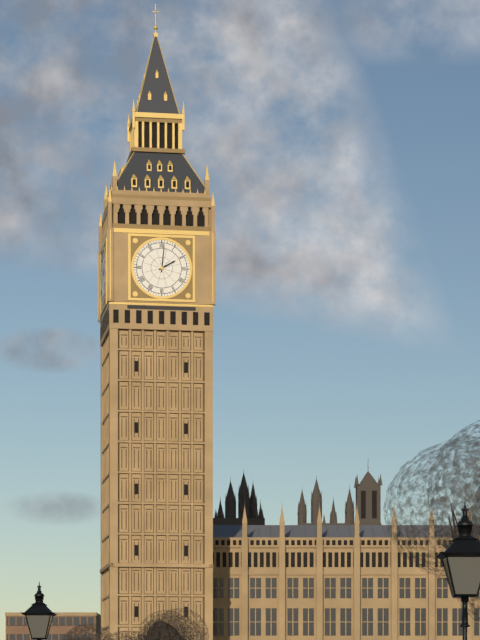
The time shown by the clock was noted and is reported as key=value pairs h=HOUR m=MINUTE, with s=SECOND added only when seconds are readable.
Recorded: h=2 m=1
